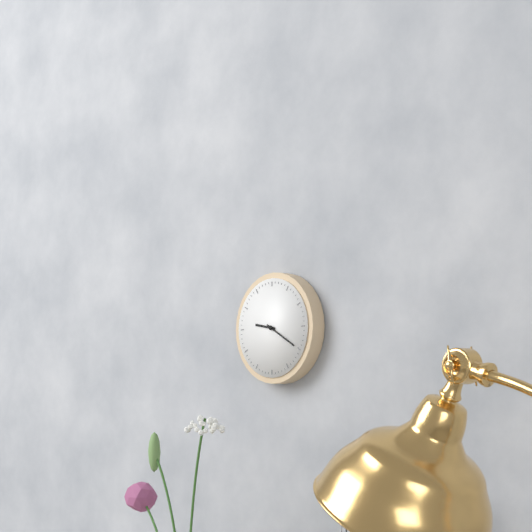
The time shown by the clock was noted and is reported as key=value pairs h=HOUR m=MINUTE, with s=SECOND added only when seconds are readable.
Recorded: h=9 m=20
